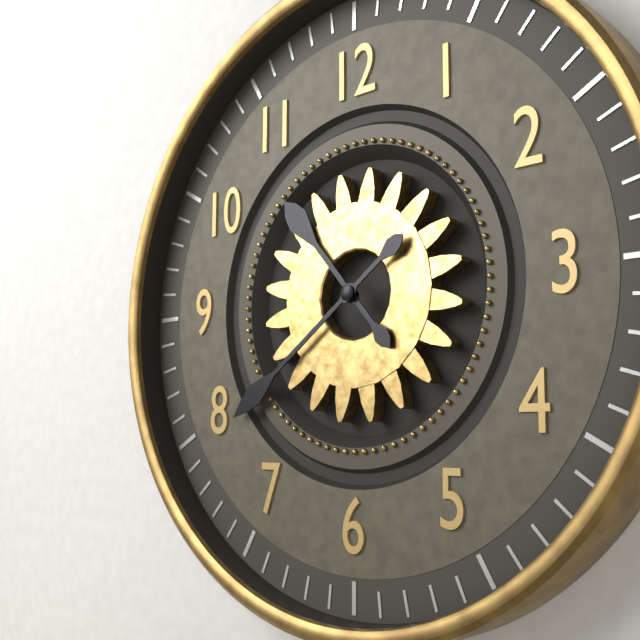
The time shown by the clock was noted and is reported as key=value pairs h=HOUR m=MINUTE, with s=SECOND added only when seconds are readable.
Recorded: h=10 m=39
